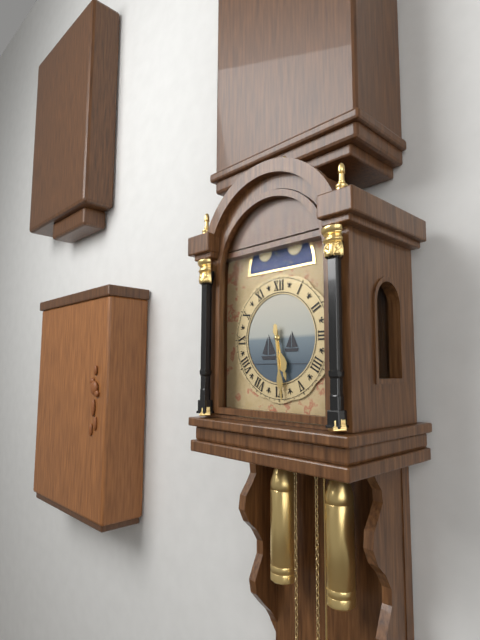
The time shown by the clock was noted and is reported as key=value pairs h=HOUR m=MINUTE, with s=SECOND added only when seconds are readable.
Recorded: h=5 m=29
